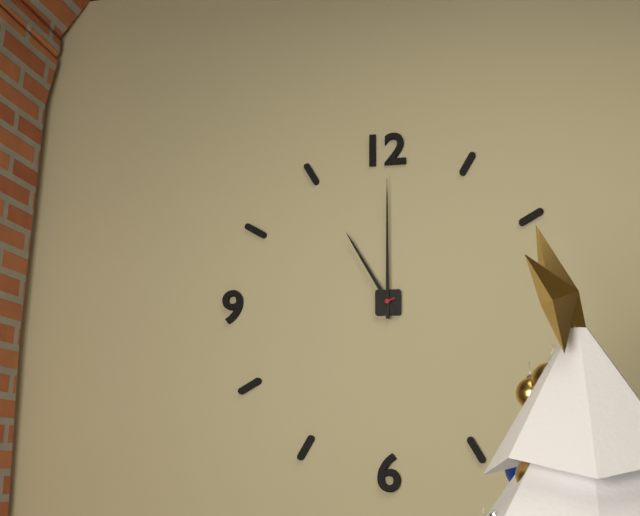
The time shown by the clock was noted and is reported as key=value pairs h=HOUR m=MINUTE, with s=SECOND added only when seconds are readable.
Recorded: h=11 m=0
